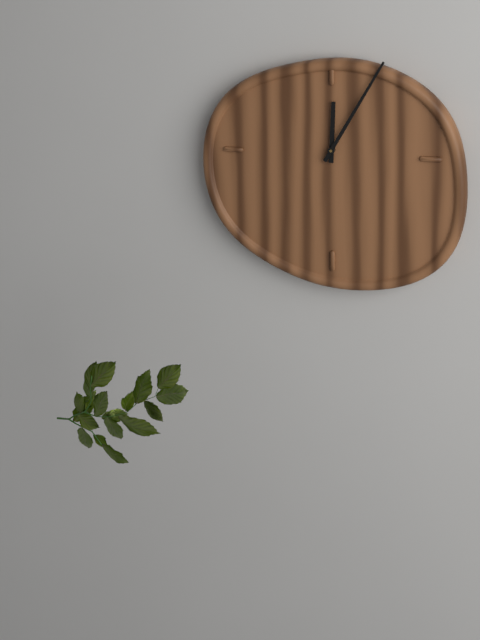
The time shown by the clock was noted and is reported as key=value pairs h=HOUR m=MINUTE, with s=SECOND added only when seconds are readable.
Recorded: h=12 m=5
